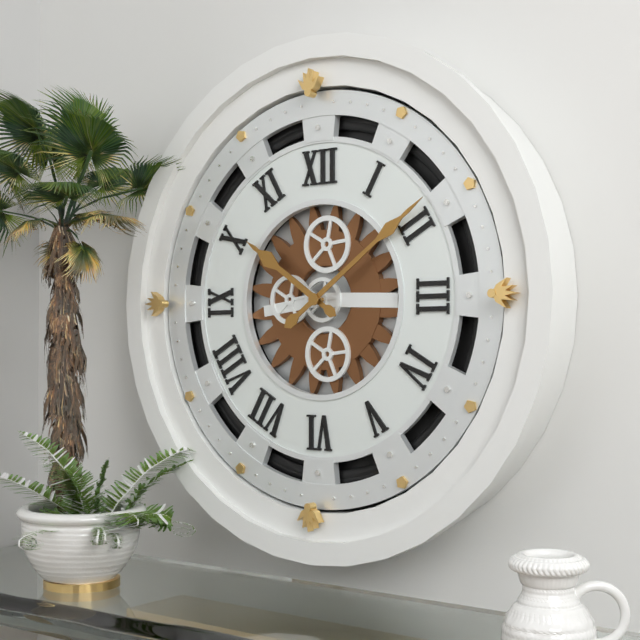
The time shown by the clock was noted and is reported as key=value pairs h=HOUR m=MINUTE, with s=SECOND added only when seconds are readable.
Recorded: h=10 m=9
